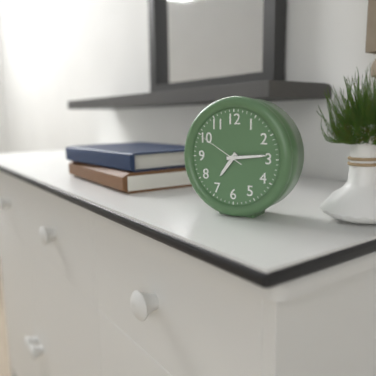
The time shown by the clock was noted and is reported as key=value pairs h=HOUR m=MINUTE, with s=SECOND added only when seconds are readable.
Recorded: h=7 m=14 s=50
